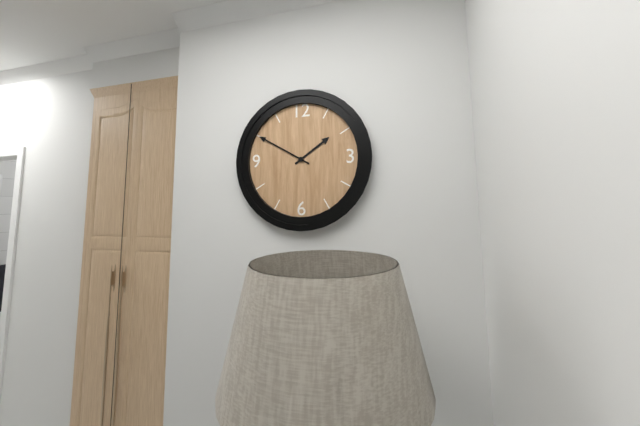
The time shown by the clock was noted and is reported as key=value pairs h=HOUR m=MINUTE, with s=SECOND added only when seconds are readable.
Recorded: h=1 m=50
